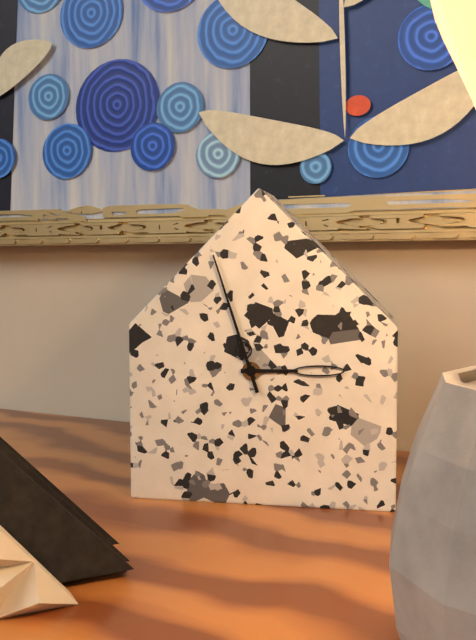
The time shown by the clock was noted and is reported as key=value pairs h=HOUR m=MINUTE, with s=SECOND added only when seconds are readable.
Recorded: h=2 m=57
